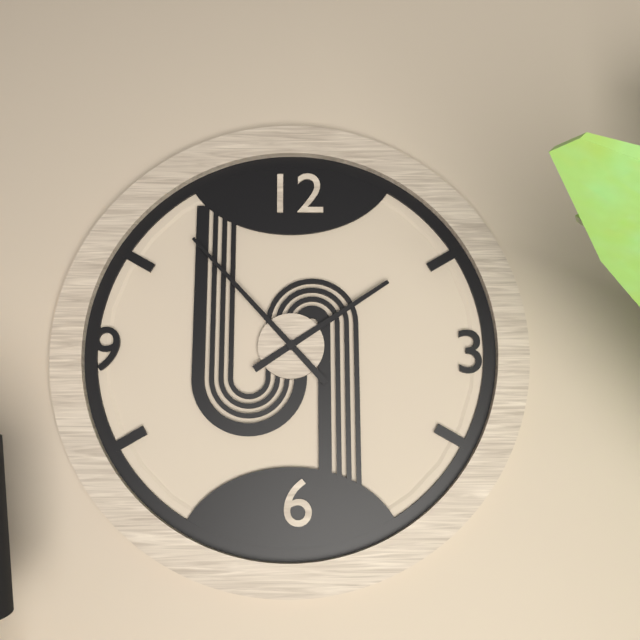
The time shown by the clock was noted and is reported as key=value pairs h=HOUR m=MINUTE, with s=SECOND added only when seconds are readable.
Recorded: h=1 m=53
